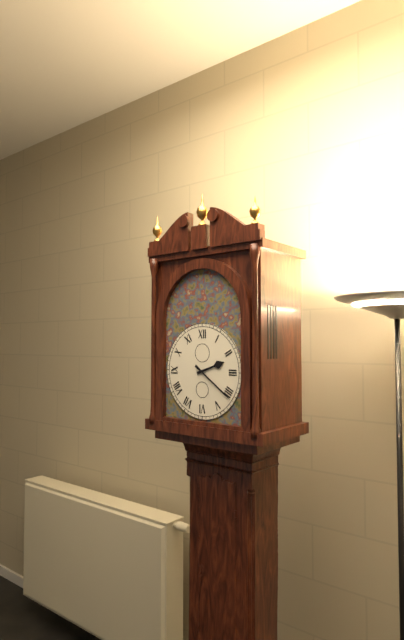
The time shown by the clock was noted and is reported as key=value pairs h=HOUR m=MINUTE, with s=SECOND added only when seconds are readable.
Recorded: h=2 m=21
